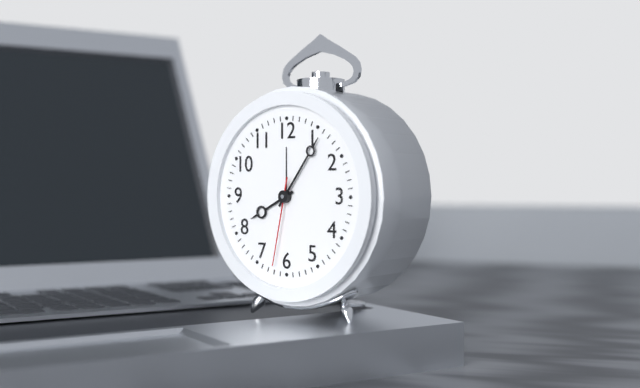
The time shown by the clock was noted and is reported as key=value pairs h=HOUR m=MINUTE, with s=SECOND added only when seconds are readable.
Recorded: h=8 m=6 s=32
